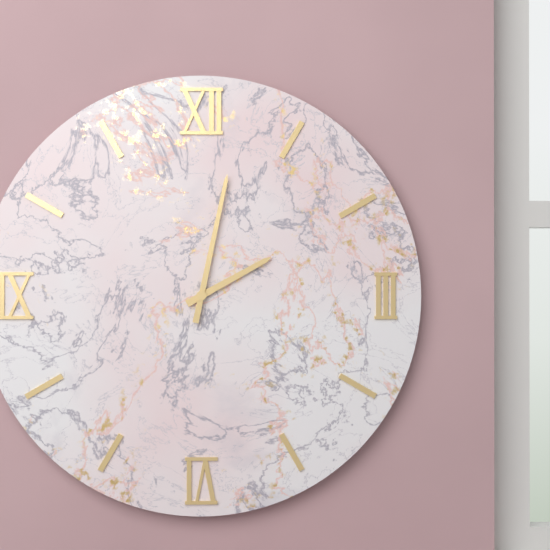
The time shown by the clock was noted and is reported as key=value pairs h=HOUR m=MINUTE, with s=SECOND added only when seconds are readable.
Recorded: h=2 m=2
